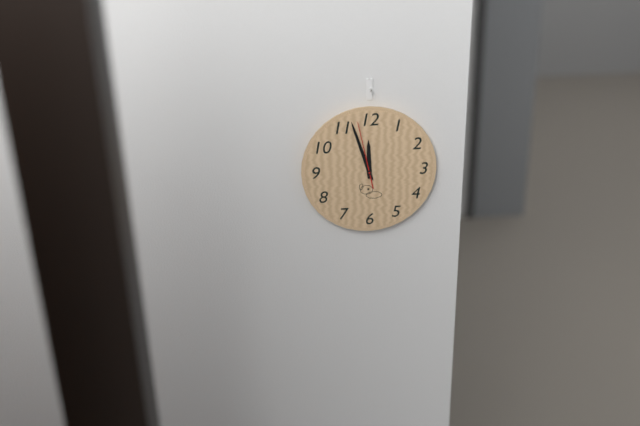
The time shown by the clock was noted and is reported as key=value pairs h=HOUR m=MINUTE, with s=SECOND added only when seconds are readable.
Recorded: h=11 m=57 s=58
